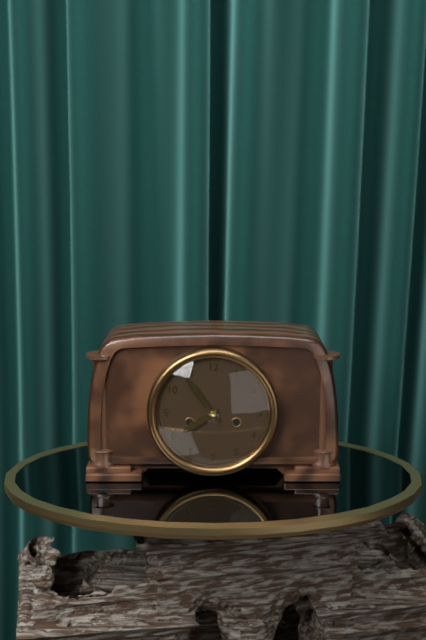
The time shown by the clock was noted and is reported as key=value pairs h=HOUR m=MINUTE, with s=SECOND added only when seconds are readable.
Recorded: h=7 m=54
